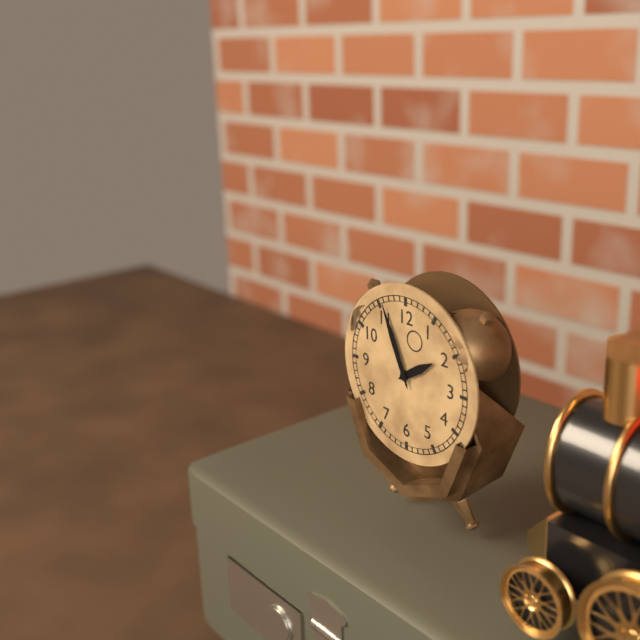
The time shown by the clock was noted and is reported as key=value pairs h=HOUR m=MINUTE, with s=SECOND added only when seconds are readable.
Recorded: h=1 m=56
